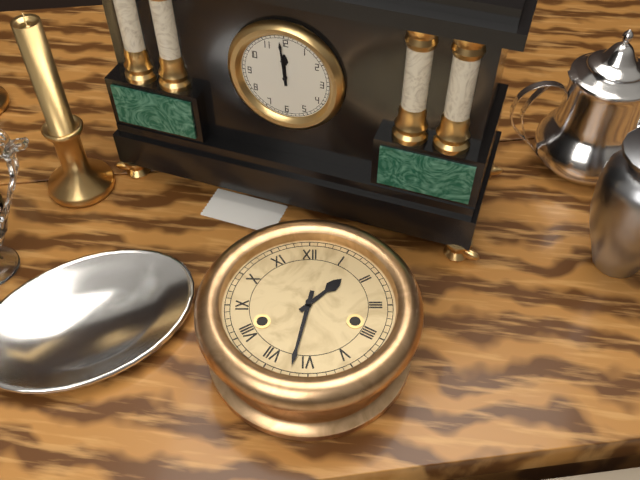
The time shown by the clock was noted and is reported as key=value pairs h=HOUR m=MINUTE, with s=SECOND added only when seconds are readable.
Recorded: h=1 m=32
